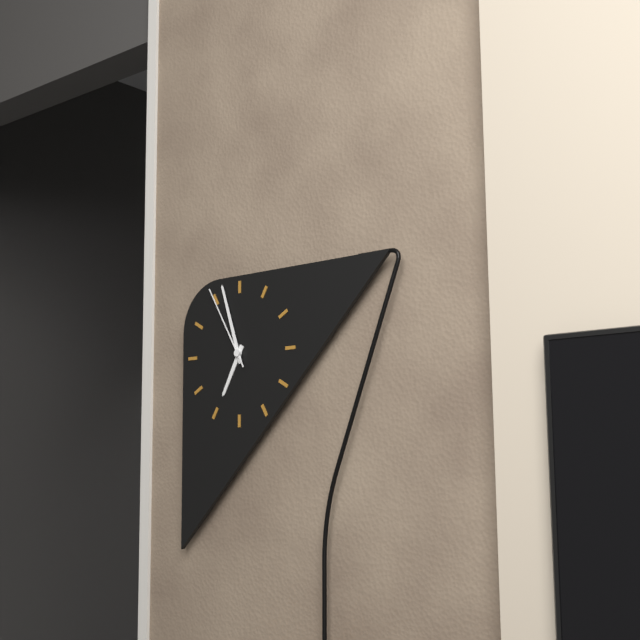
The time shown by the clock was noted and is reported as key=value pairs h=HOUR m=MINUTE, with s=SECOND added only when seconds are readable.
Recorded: h=6 m=57 s=55
